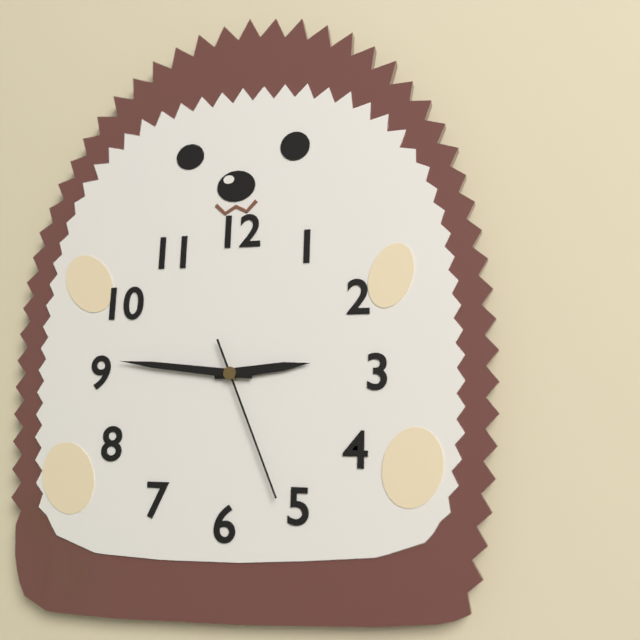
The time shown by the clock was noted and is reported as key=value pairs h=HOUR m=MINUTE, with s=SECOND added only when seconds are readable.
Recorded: h=2 m=46 s=26
